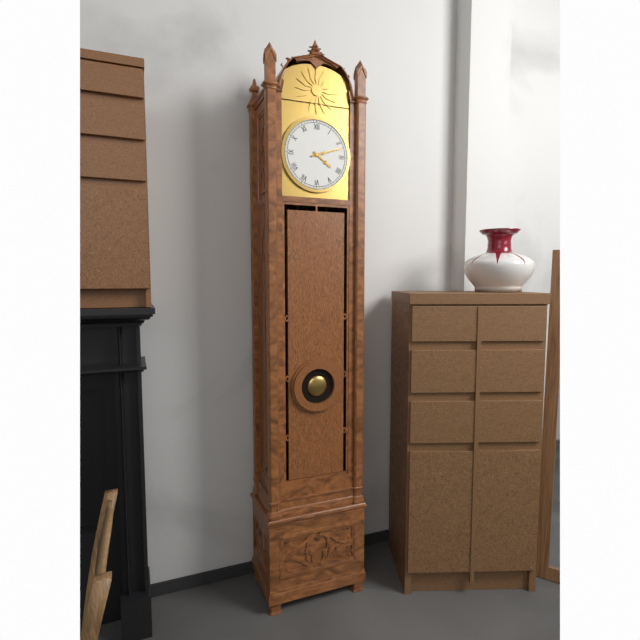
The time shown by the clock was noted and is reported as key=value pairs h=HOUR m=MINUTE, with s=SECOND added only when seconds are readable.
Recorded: h=4 m=12
